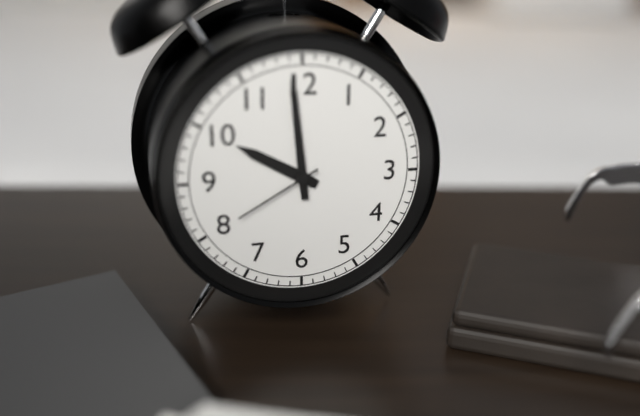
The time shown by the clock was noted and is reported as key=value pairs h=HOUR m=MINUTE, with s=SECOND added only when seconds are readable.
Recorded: h=9 m=59 s=40
